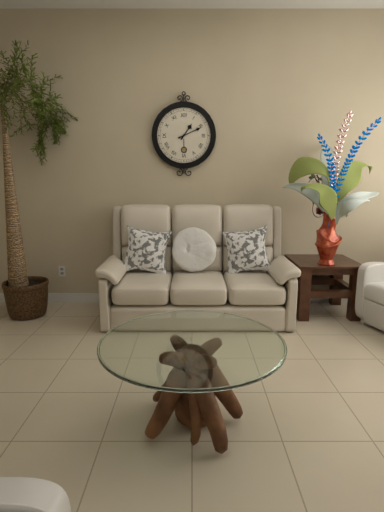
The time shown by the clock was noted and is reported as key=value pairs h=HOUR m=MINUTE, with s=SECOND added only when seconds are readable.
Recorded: h=1 m=11
